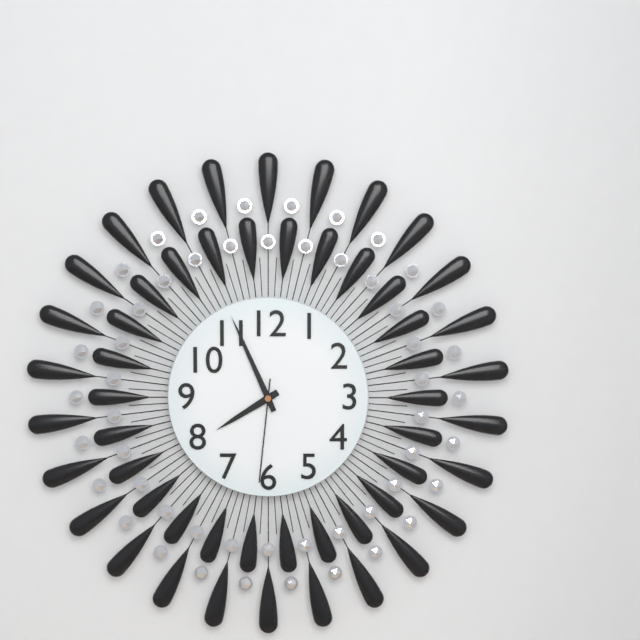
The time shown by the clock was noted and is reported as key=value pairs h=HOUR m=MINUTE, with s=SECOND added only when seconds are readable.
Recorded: h=7 m=56 s=31
